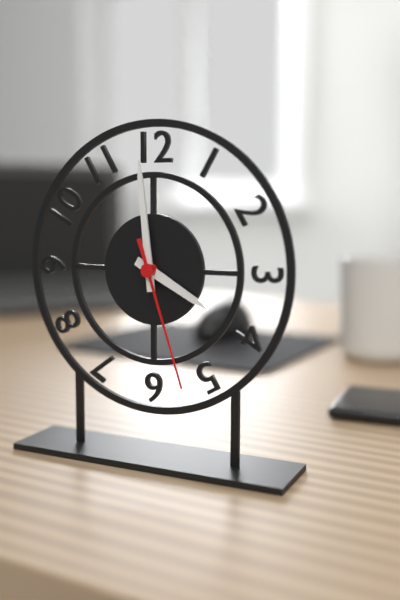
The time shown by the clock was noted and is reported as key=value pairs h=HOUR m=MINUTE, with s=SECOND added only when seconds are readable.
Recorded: h=3 m=59 s=27
